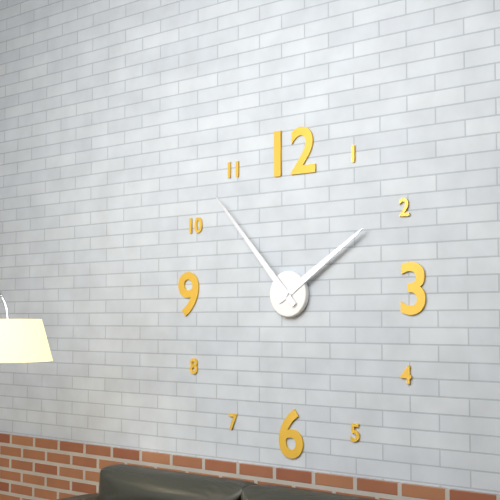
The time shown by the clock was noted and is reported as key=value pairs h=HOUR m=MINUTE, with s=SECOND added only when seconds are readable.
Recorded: h=1 m=53
